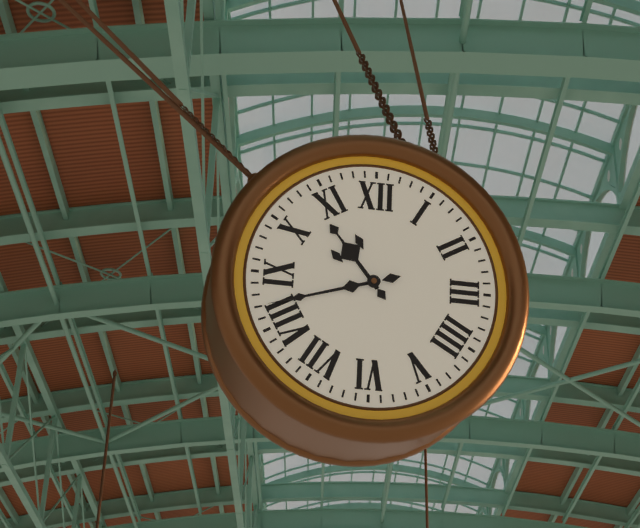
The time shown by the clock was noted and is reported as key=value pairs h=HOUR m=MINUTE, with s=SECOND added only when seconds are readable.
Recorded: h=10 m=42
